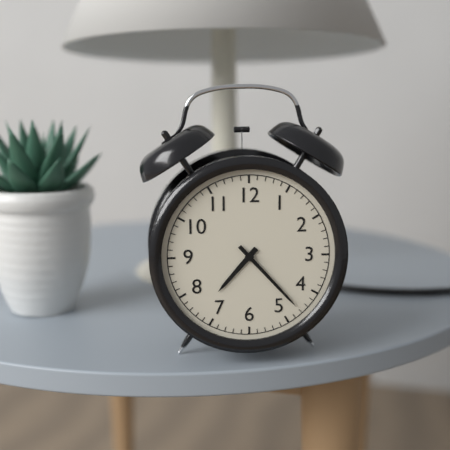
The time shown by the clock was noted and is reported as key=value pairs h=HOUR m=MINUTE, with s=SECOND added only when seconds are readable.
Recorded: h=7 m=23
